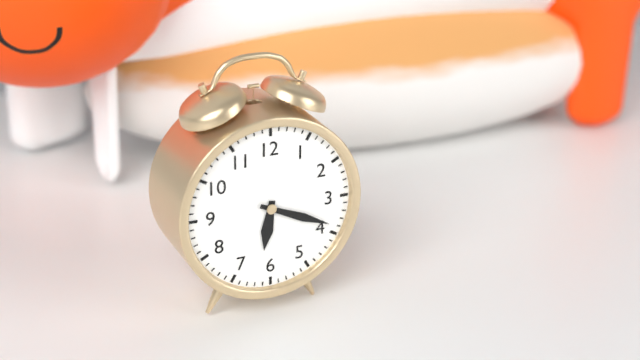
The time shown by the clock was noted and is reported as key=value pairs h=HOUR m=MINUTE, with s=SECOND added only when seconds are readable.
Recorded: h=6 m=19
